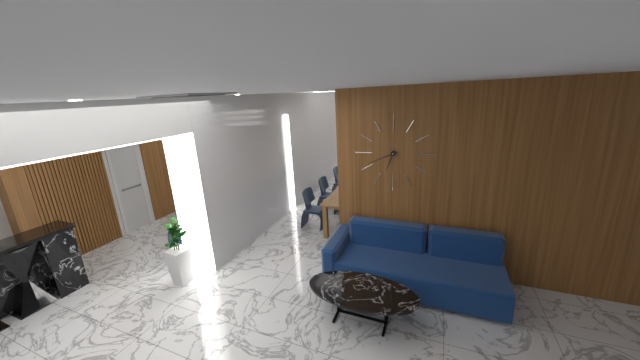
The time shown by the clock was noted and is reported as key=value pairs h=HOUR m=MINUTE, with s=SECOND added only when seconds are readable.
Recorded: h=6 m=41
